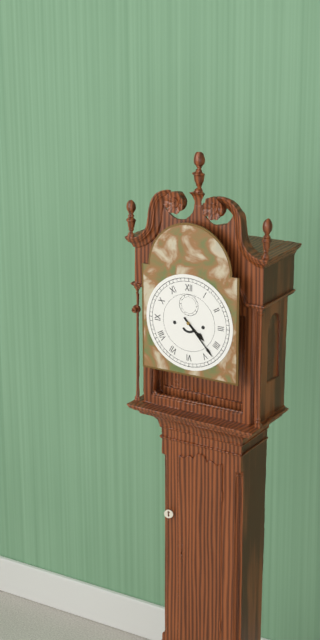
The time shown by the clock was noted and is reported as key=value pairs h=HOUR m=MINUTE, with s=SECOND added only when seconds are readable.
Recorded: h=4 m=23
